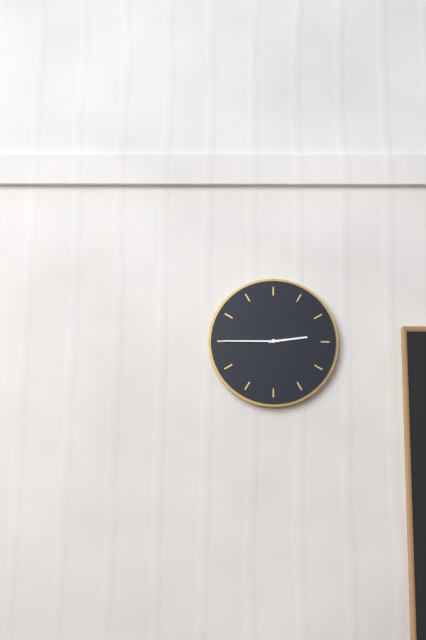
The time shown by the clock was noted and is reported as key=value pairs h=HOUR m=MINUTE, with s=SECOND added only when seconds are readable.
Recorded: h=2 m=45
